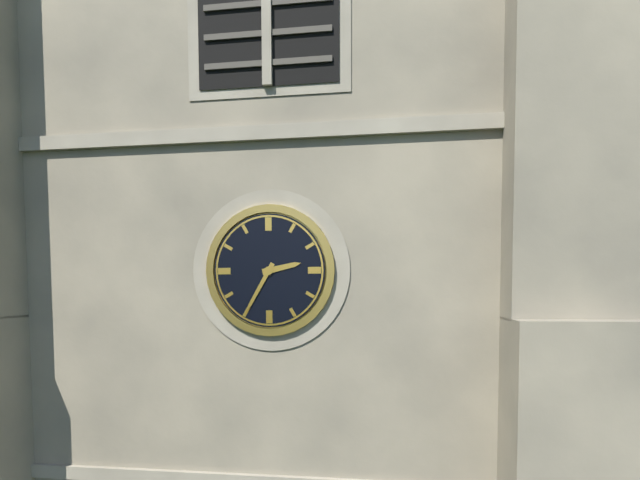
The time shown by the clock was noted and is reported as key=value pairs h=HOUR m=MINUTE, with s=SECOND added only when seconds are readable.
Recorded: h=2 m=35
